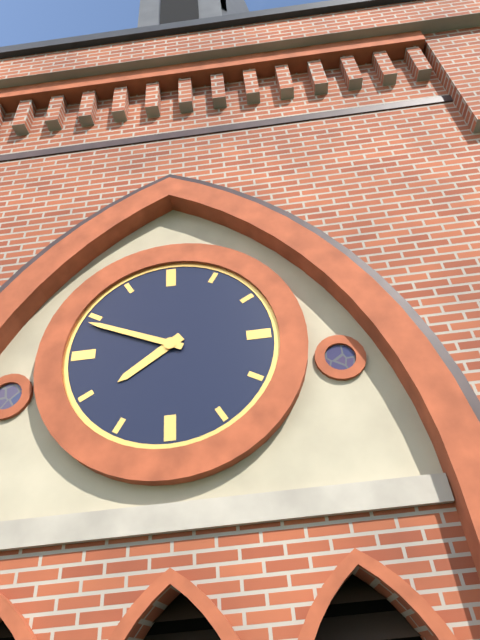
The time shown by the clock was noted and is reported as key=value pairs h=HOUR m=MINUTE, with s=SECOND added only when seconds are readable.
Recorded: h=7 m=49
